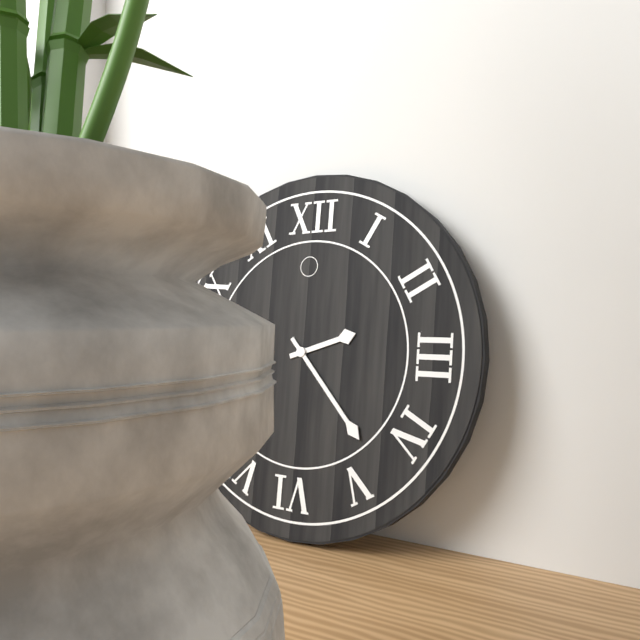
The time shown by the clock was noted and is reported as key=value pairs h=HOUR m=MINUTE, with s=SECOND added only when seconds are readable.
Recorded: h=2 m=23
